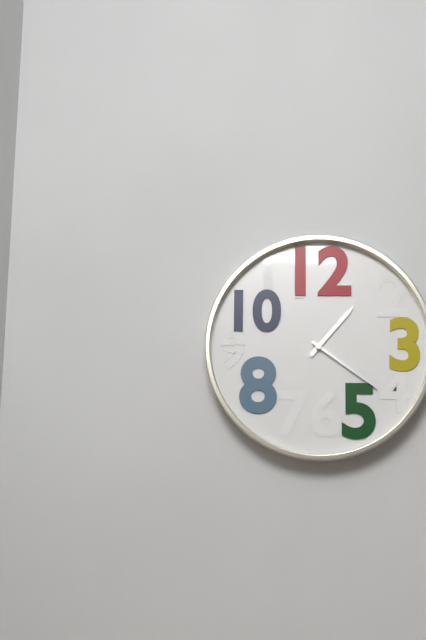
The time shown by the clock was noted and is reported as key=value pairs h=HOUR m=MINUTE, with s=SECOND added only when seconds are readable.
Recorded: h=1 m=21
